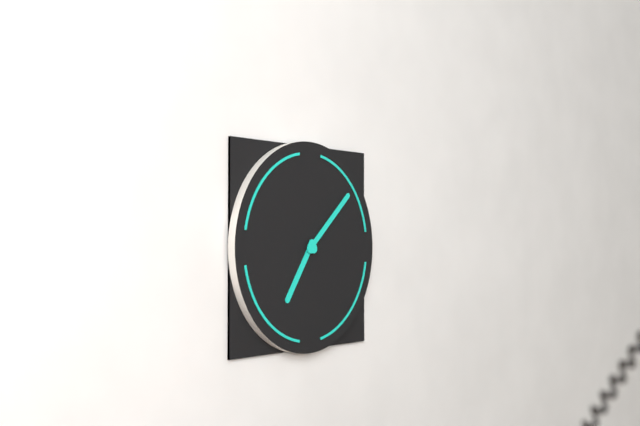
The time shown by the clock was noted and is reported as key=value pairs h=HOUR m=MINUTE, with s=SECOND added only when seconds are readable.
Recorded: h=7 m=8
